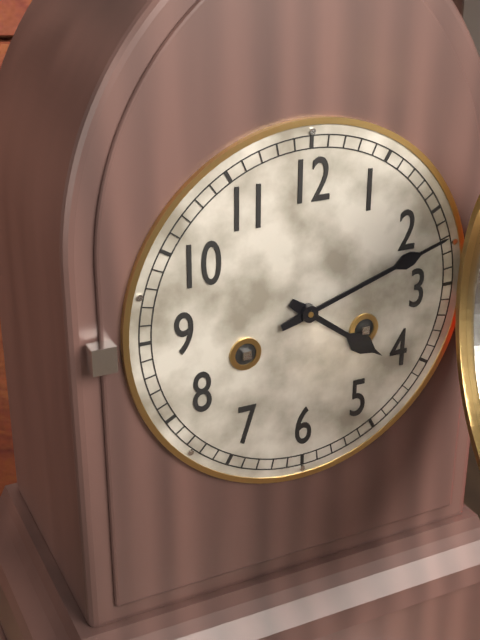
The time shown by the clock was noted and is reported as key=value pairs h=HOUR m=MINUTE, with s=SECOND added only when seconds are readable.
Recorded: h=4 m=12
